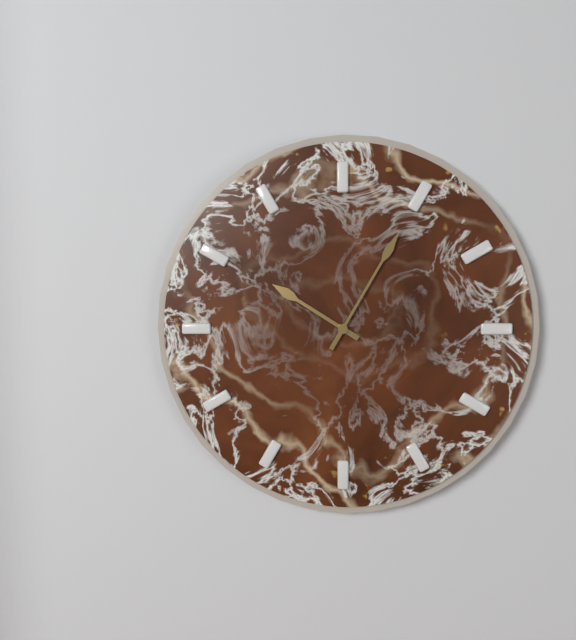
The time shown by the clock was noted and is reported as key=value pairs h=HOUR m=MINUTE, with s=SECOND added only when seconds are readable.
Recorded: h=10 m=5
